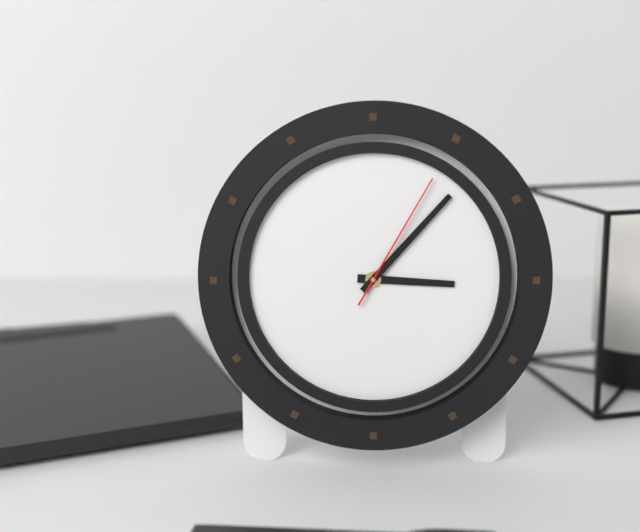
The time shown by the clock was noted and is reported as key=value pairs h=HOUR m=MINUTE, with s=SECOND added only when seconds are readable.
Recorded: h=3 m=7 s=5
